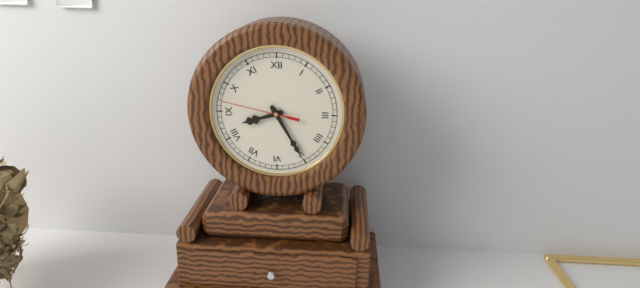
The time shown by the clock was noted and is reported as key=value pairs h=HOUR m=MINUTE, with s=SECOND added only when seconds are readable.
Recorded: h=8 m=25 s=47
